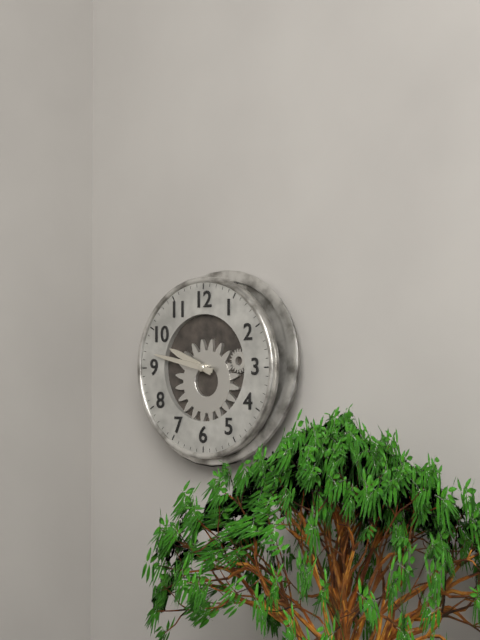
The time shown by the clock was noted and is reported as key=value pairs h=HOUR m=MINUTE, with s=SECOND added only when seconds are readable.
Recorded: h=9 m=47
